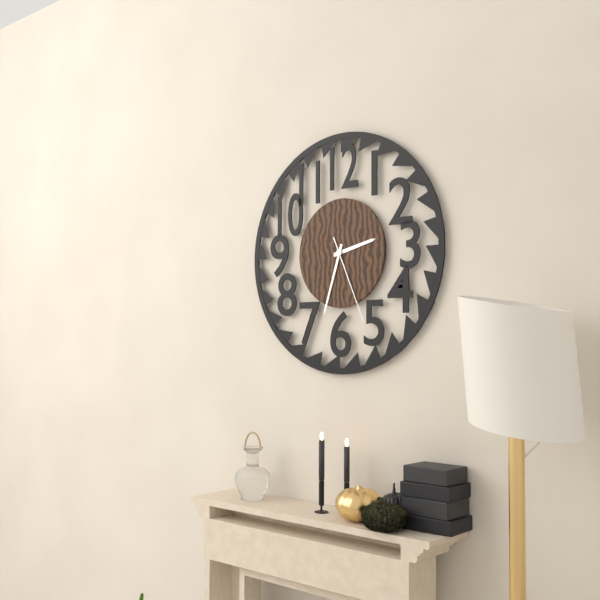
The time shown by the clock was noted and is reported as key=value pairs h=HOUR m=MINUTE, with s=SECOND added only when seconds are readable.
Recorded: h=2 m=33 s=26
